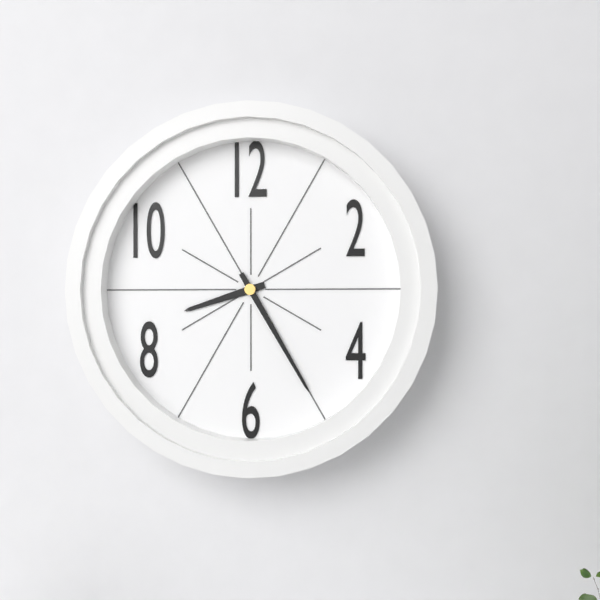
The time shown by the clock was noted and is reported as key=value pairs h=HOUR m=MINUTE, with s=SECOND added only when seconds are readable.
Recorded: h=8 m=25
